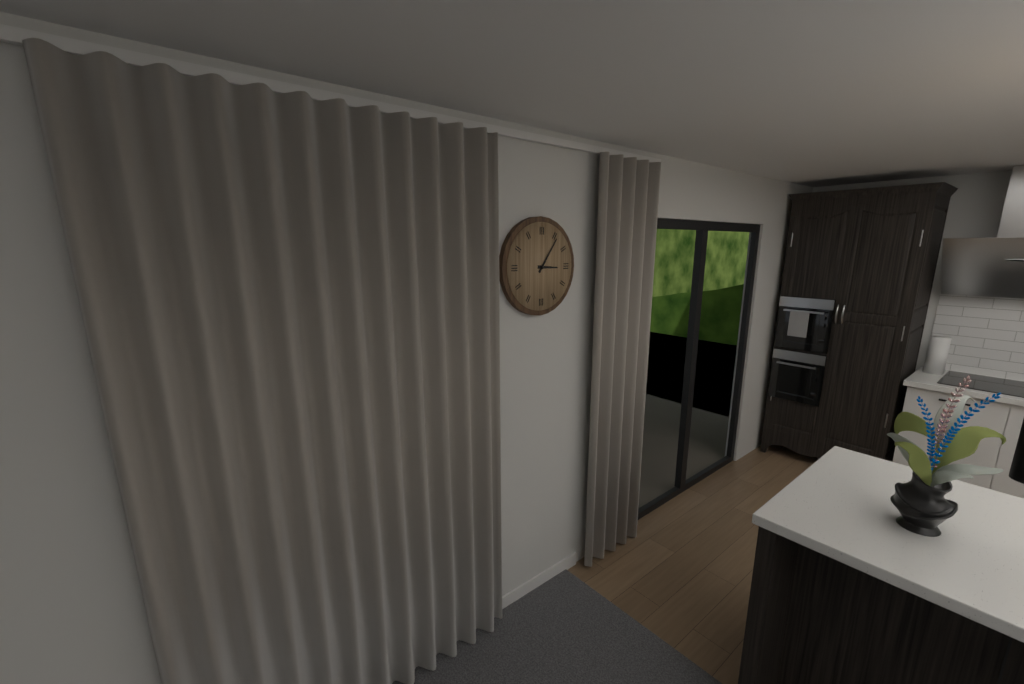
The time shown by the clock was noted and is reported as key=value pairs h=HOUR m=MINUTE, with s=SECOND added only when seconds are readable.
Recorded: h=3 m=6
